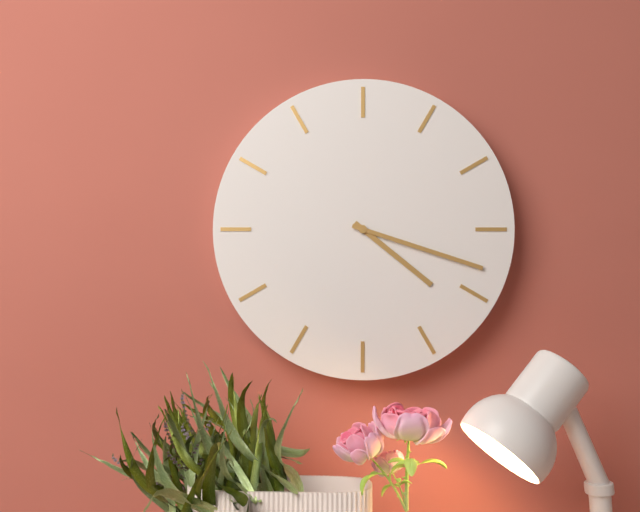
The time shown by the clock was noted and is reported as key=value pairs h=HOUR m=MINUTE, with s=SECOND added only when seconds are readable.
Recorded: h=4 m=18
